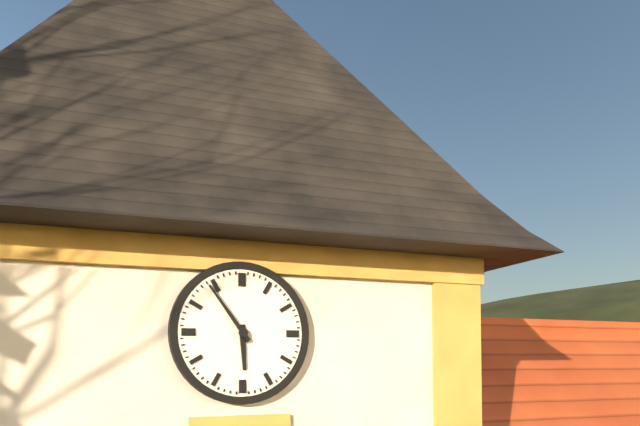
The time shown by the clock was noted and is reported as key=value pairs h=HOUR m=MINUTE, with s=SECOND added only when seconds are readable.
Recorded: h=5 m=54
